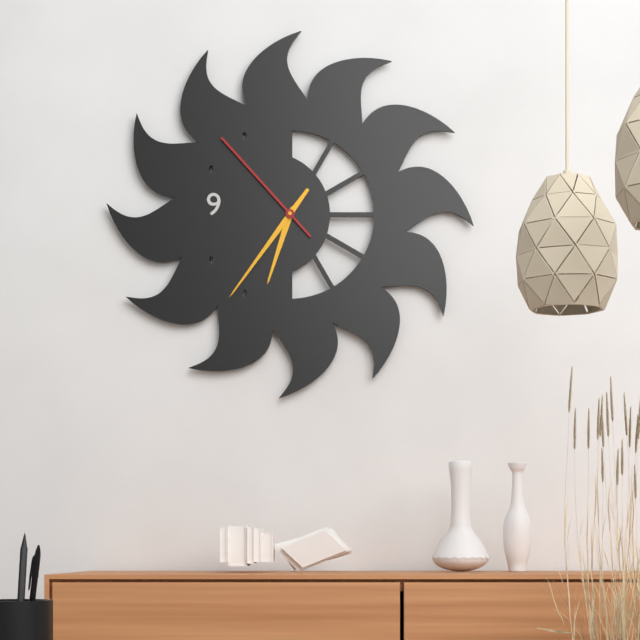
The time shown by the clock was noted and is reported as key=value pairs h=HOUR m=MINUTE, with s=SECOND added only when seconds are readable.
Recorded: h=6 m=36 s=53
